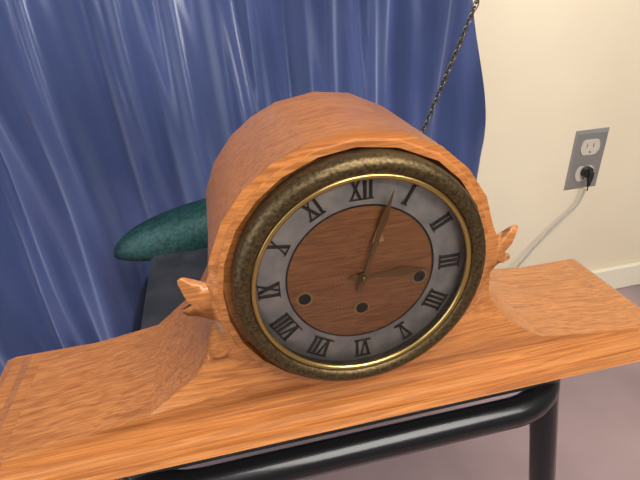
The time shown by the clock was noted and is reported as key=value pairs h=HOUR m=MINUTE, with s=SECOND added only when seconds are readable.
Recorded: h=3 m=3
